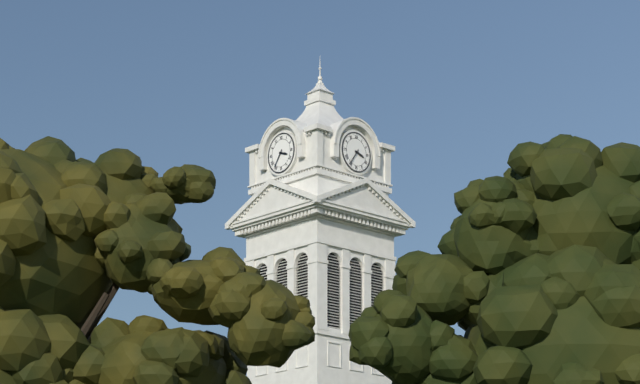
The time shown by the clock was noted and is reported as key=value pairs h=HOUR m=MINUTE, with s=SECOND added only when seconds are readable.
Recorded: h=3 m=36
